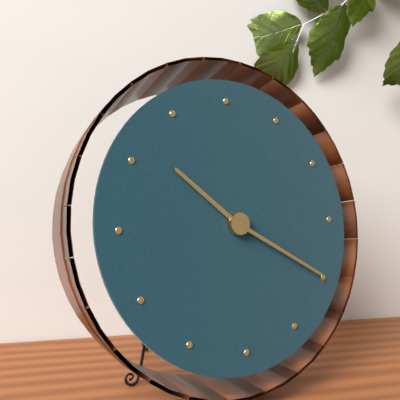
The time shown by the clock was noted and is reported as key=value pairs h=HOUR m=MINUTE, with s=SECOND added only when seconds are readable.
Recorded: h=10 m=20
